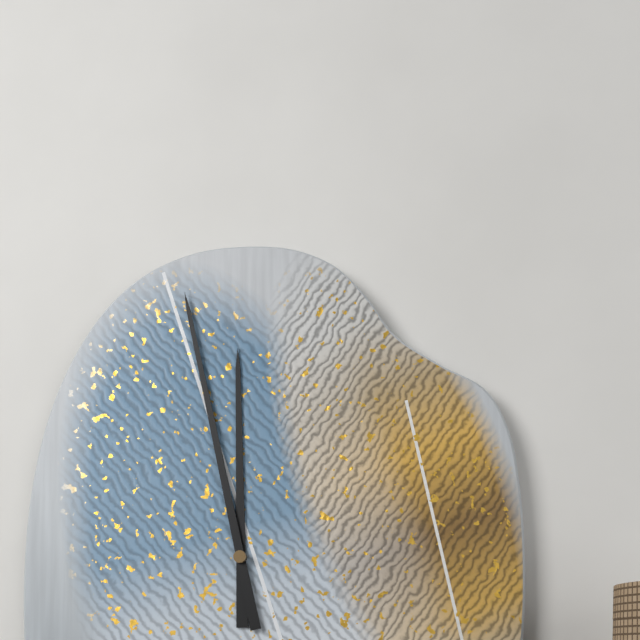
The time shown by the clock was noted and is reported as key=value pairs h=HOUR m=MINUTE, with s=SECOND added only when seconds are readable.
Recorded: h=11 m=58
